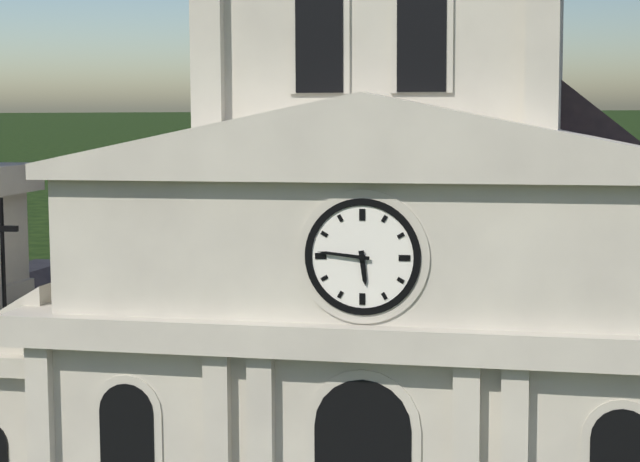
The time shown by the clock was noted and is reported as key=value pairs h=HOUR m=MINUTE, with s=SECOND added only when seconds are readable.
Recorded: h=5 m=46
